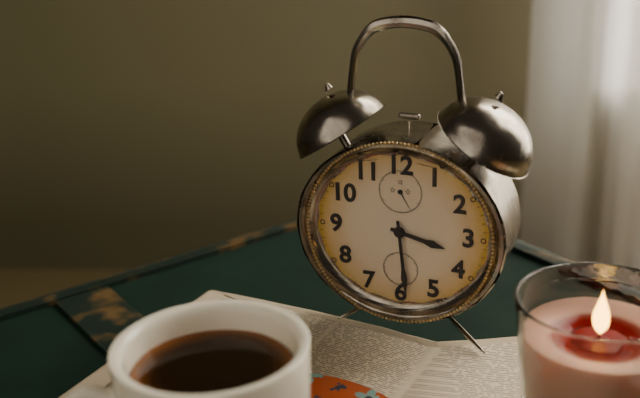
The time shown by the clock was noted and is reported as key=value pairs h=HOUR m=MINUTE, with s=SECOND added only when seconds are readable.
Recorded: h=3 m=29
